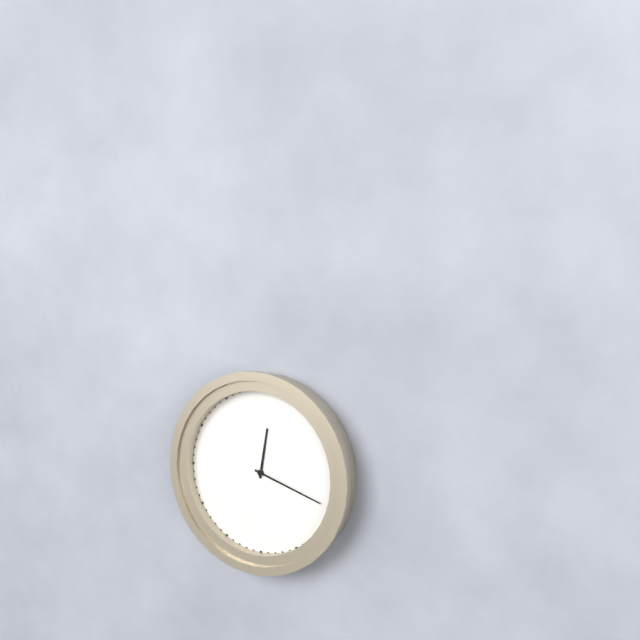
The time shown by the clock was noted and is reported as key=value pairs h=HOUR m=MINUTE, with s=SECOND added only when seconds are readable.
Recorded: h=12 m=18
